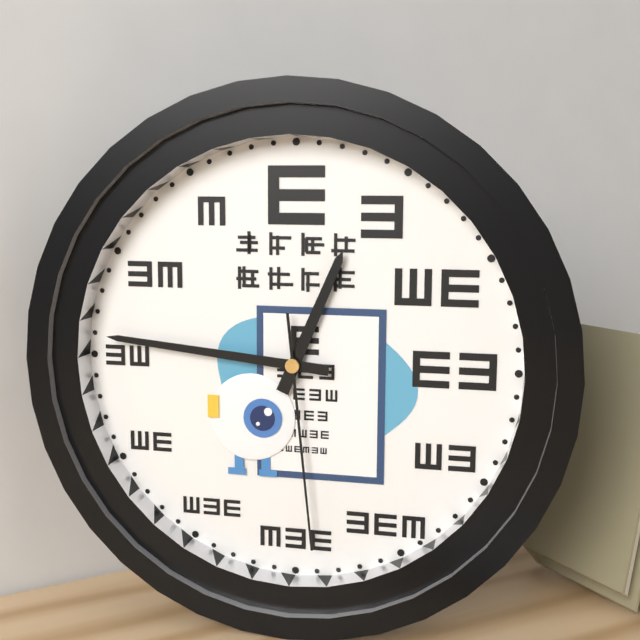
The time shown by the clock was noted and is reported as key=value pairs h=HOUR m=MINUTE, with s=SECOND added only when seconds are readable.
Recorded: h=12 m=46 s=29
